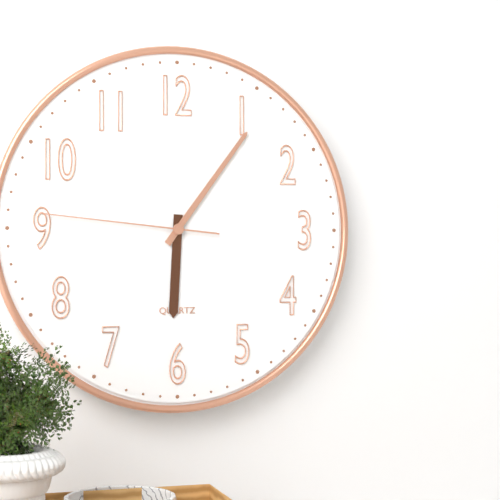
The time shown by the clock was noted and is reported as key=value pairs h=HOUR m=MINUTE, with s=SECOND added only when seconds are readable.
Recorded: h=6 m=6 s=46
